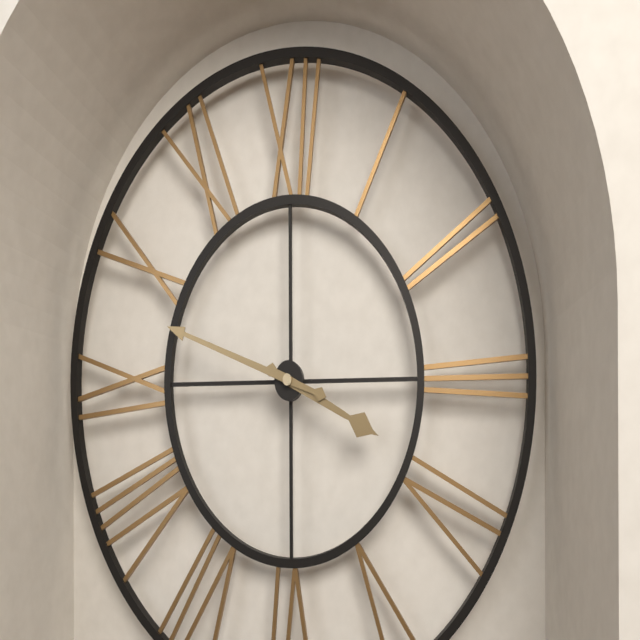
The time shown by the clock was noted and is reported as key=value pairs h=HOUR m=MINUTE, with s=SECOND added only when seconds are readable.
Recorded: h=3 m=48
